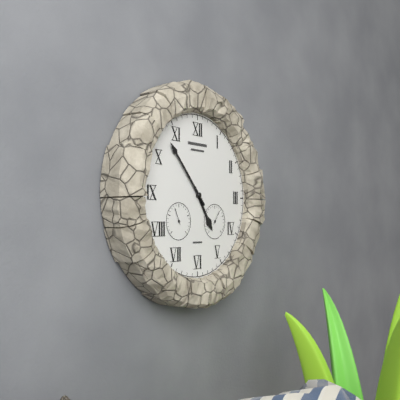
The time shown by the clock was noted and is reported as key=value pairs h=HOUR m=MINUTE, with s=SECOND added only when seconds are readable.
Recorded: h=4 m=53
